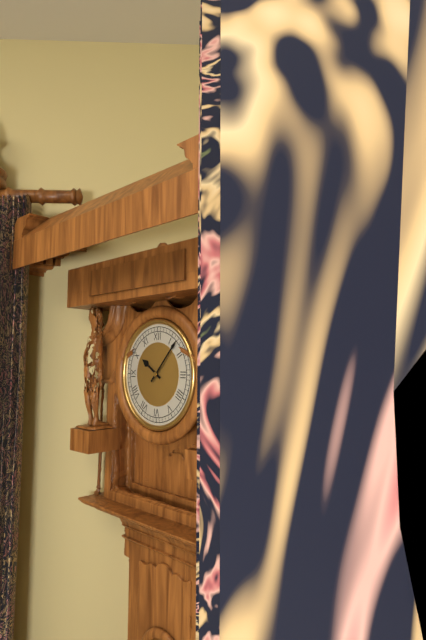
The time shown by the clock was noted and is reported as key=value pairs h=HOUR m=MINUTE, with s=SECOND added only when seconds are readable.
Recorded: h=10 m=7
